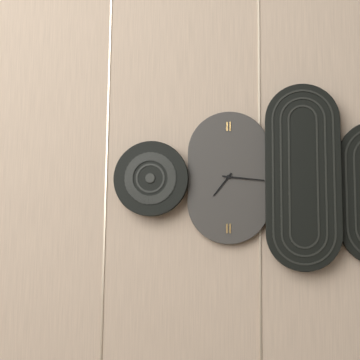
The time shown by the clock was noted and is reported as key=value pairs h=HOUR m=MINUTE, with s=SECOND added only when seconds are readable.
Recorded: h=7 m=16
